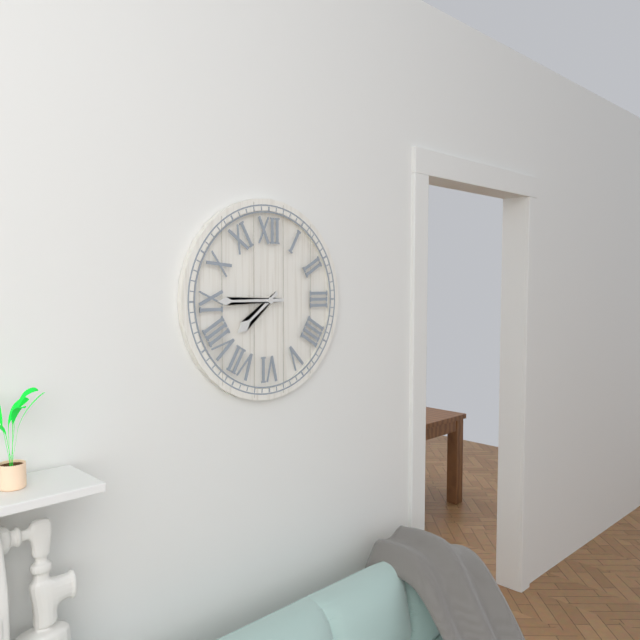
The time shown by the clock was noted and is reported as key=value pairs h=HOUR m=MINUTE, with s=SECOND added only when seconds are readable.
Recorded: h=7 m=45
